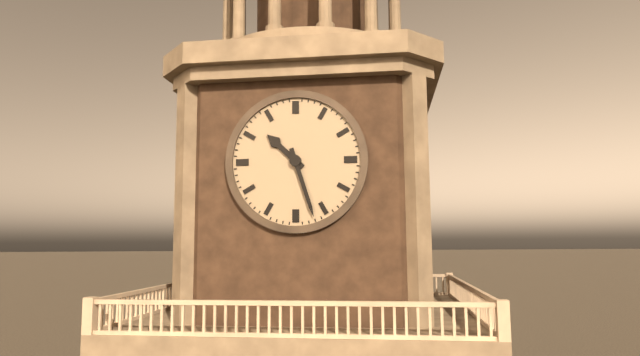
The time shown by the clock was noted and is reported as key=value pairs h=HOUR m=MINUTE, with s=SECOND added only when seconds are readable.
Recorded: h=10 m=27
